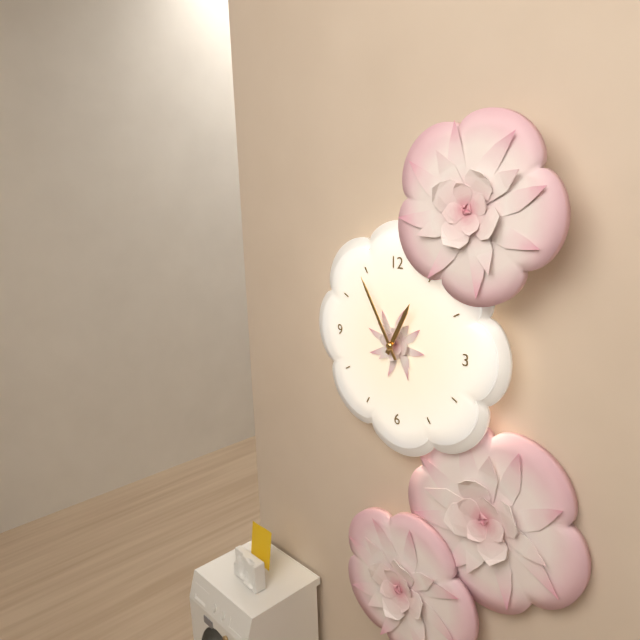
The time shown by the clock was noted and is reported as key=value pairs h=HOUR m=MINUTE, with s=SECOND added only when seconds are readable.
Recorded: h=12 m=55
